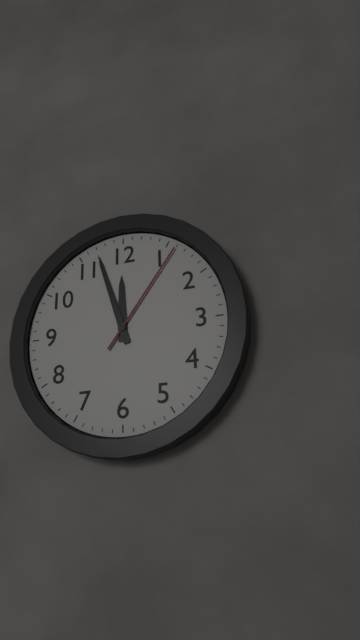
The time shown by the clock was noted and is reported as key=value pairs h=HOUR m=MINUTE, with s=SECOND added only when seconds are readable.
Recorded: h=11 m=57 s=6
